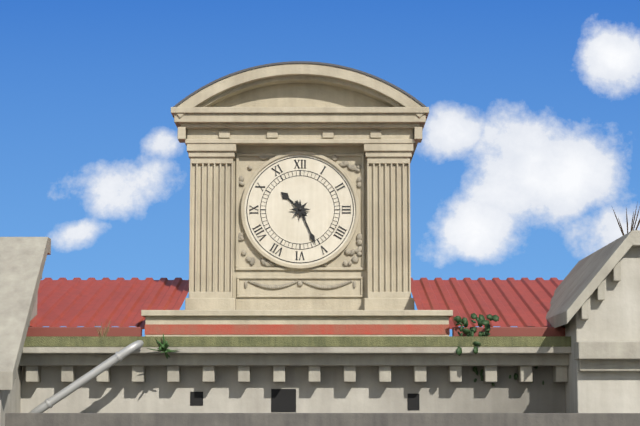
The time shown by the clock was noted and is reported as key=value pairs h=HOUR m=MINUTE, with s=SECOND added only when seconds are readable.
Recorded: h=10 m=26
